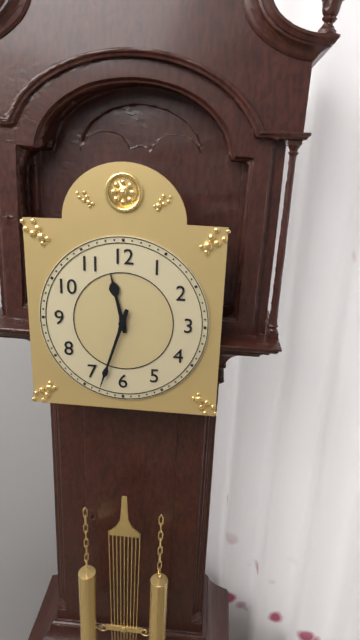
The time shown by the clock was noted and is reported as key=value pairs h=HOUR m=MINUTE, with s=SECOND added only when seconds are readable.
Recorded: h=11 m=33
